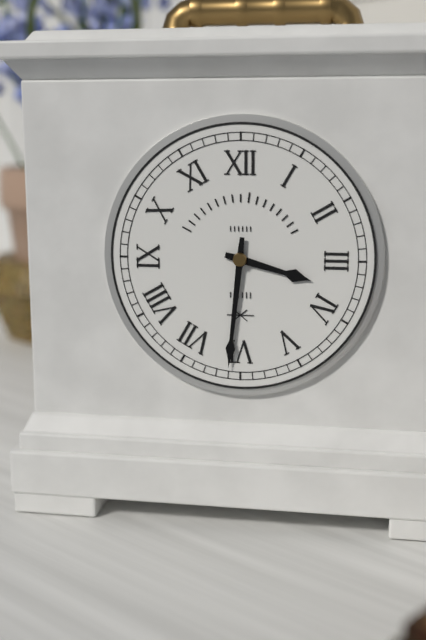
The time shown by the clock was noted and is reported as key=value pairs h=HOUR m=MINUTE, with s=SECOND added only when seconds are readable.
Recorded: h=3 m=31
